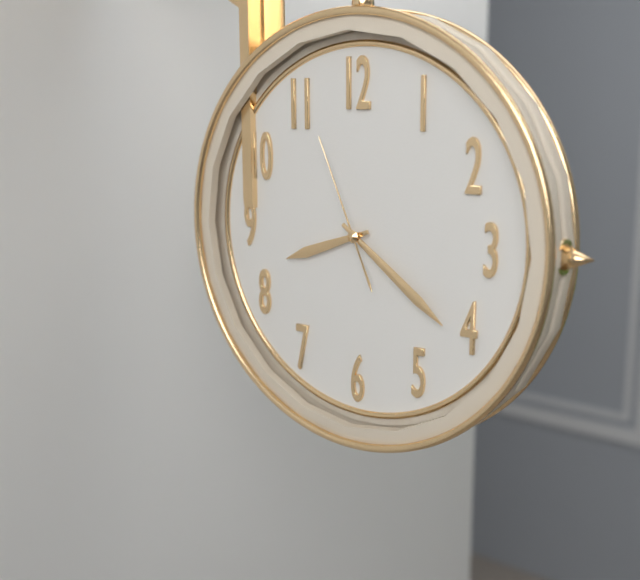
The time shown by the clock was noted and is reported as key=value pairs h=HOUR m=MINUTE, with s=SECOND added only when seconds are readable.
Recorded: h=8 m=21 s=56
